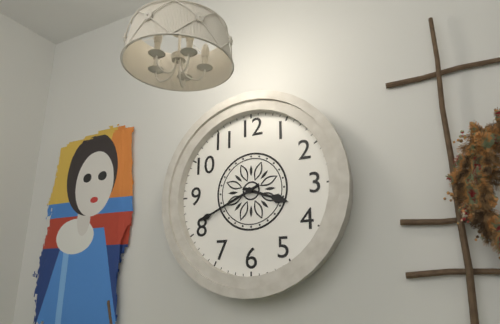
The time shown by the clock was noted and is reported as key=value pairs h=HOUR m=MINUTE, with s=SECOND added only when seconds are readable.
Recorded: h=3 m=41
